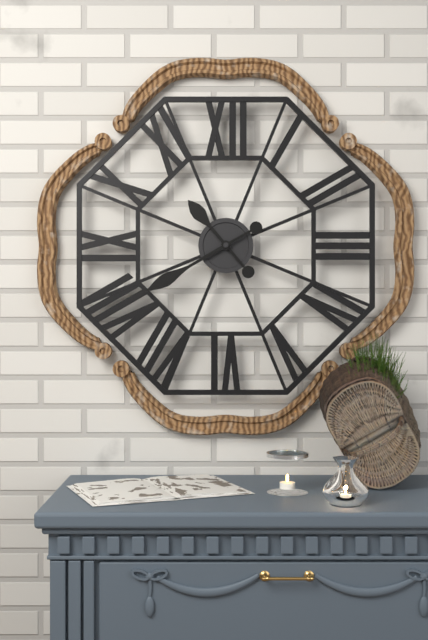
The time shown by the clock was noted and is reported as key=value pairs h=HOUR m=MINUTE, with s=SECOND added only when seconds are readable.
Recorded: h=10 m=40
